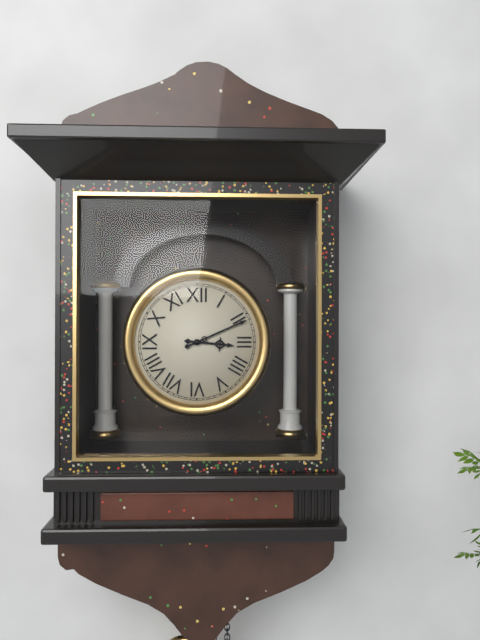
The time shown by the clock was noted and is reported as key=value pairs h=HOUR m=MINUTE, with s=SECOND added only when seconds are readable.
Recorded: h=3 m=11
